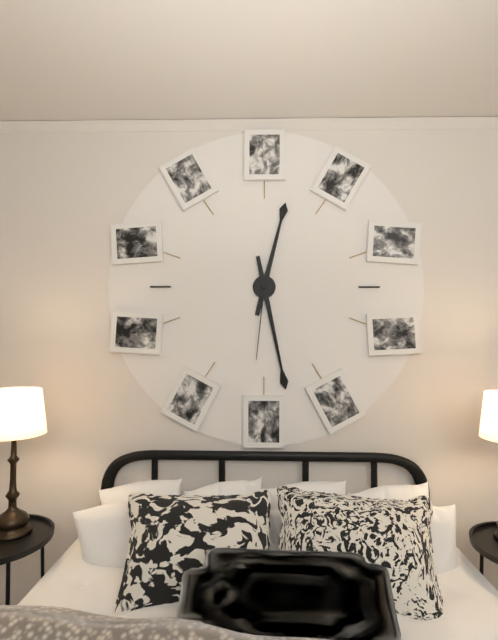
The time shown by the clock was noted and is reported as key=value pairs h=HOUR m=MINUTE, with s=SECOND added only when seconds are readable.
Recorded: h=12 m=28 s=31
